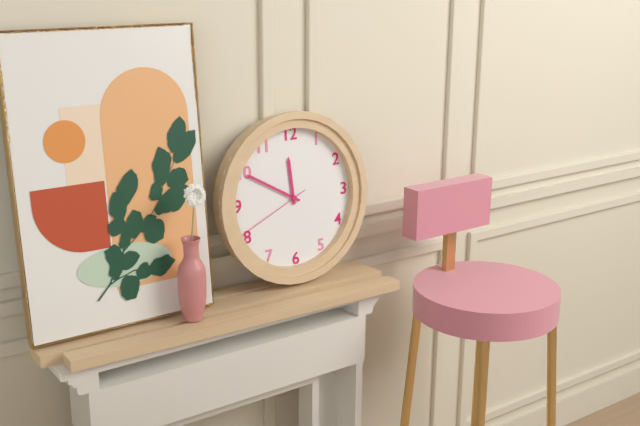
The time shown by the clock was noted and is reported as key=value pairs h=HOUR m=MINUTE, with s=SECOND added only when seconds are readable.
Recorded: h=11 m=50 s=41
